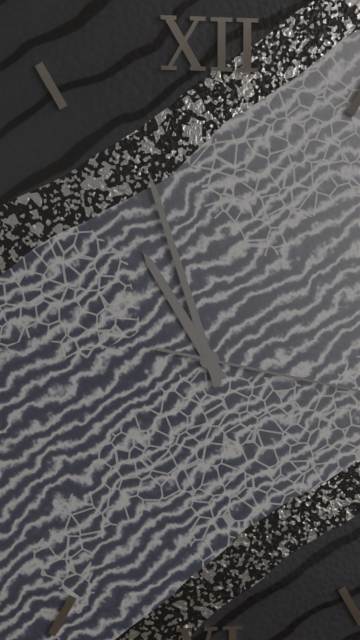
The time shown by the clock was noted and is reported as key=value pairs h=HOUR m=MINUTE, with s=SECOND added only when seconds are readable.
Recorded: h=10 m=57
